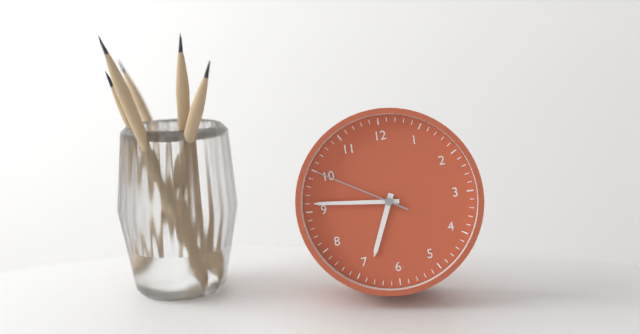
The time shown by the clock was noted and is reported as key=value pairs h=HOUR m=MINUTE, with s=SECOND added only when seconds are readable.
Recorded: h=6 m=46 s=50
